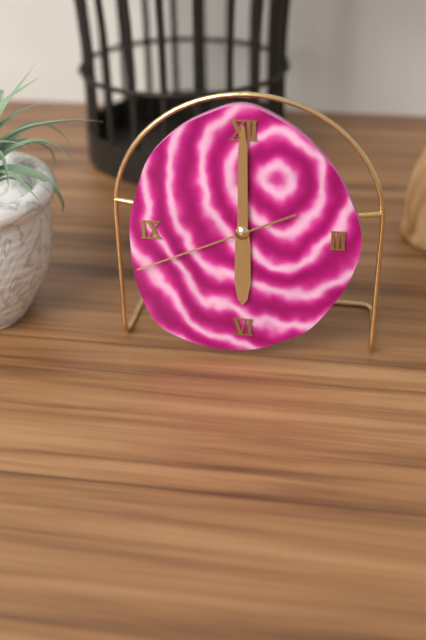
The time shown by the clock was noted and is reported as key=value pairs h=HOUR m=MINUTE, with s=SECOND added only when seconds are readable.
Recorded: h=6 m=0 s=41
